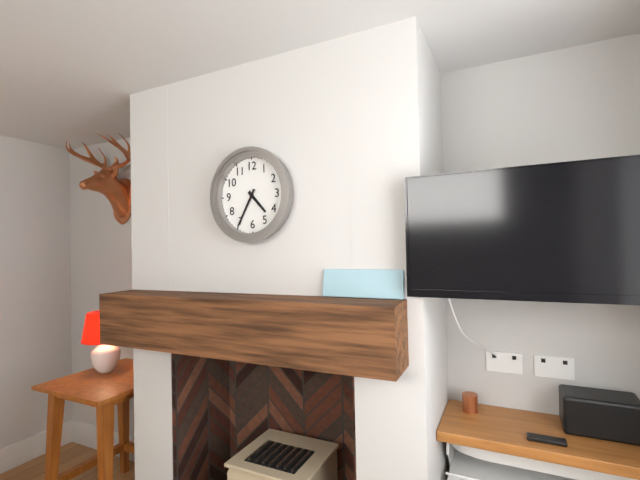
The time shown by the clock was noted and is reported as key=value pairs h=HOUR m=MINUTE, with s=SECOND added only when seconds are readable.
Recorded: h=4 m=35
